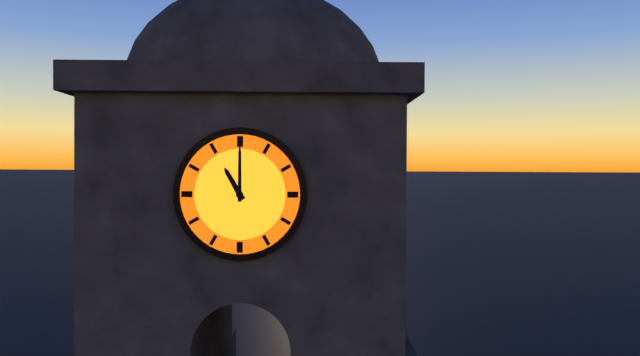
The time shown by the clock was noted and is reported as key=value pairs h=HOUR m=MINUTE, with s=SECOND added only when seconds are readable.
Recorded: h=11 m=0
